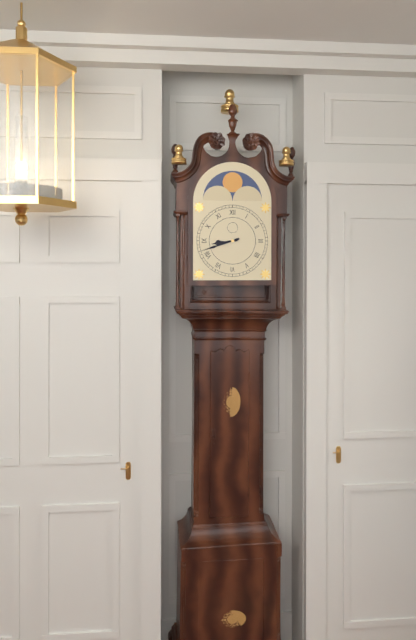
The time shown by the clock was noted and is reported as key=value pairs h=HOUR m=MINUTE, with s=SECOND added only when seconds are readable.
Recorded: h=8 m=42
